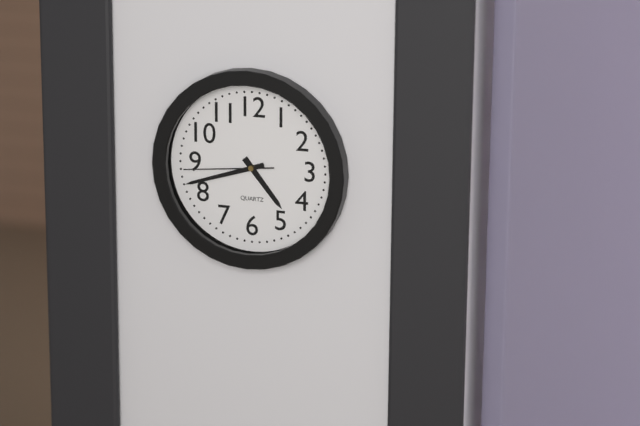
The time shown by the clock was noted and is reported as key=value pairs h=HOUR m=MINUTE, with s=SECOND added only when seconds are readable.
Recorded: h=4 m=42 s=44
